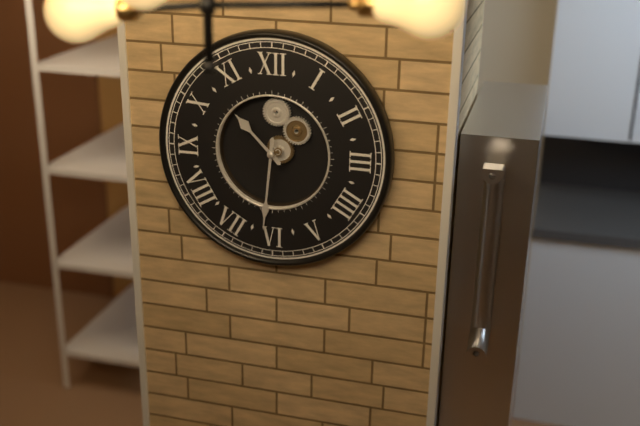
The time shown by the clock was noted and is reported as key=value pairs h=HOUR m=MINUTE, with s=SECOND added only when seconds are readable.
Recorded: h=10 m=31
